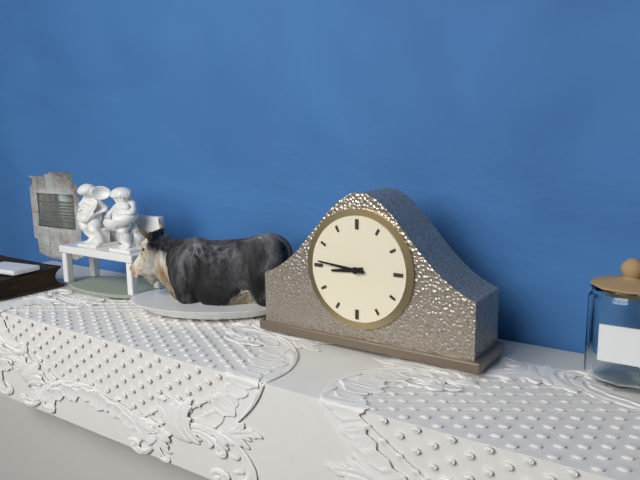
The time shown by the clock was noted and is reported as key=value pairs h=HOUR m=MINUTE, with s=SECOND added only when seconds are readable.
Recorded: h=8 m=46
